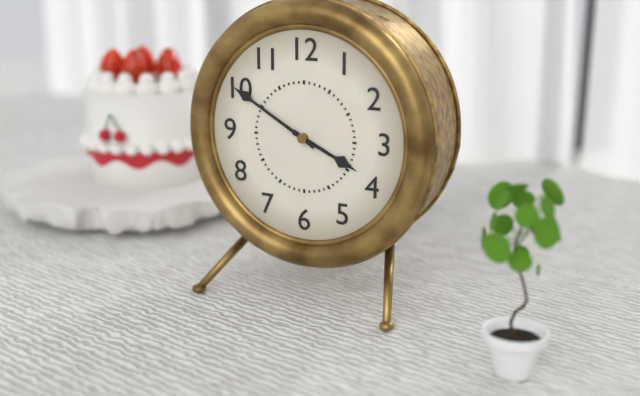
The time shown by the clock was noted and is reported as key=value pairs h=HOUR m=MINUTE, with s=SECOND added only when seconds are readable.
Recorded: h=3 m=50
